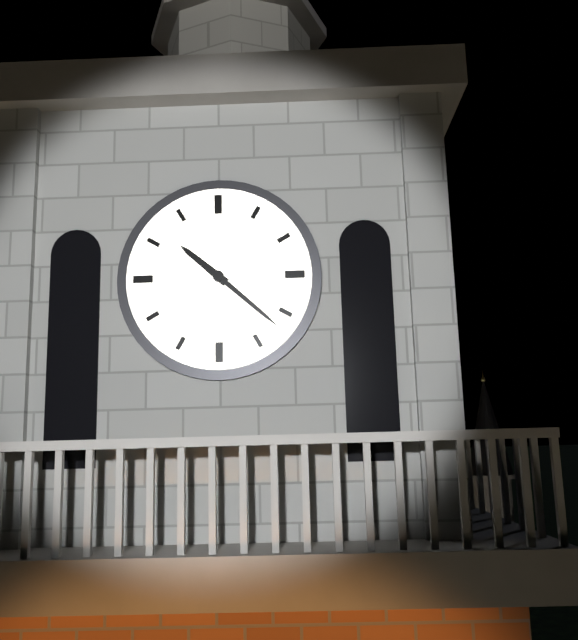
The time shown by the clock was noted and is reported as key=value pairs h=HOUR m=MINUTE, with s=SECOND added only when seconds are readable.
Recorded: h=10 m=22
